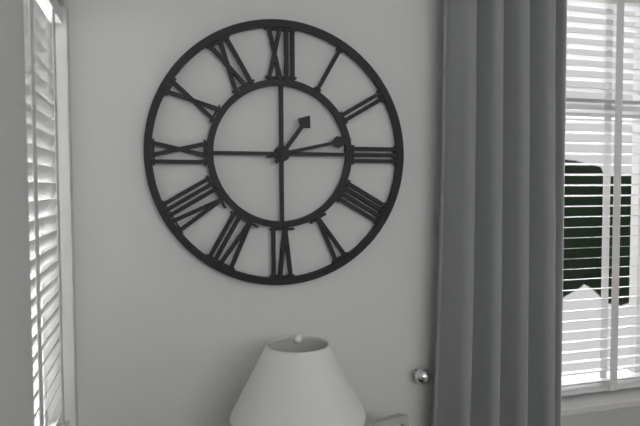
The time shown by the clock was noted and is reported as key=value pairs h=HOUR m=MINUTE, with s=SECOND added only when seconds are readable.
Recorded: h=1 m=13
